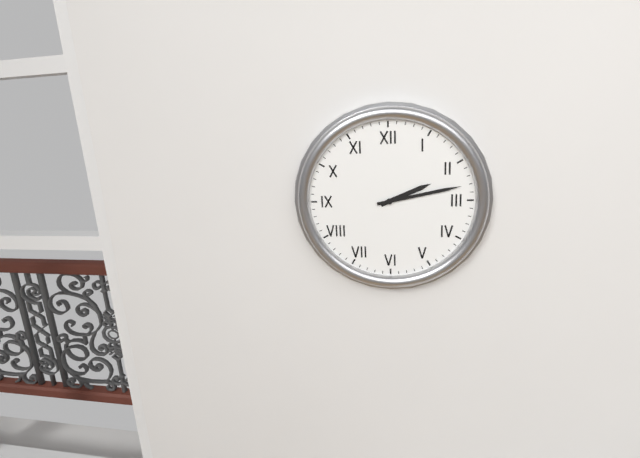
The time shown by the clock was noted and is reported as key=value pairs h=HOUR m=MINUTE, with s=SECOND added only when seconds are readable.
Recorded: h=2 m=13
